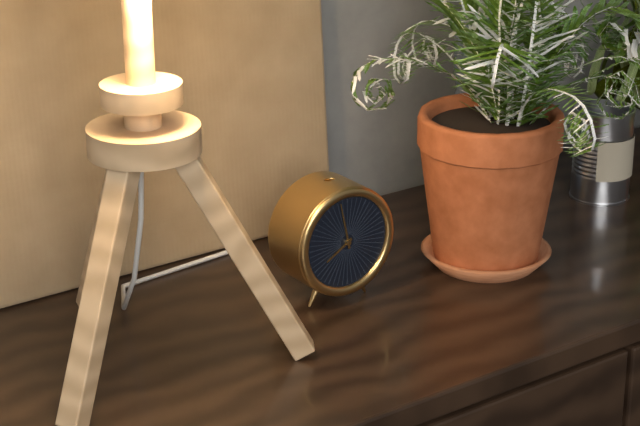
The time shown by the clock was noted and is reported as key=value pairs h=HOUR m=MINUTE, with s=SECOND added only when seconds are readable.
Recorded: h=7 m=58
